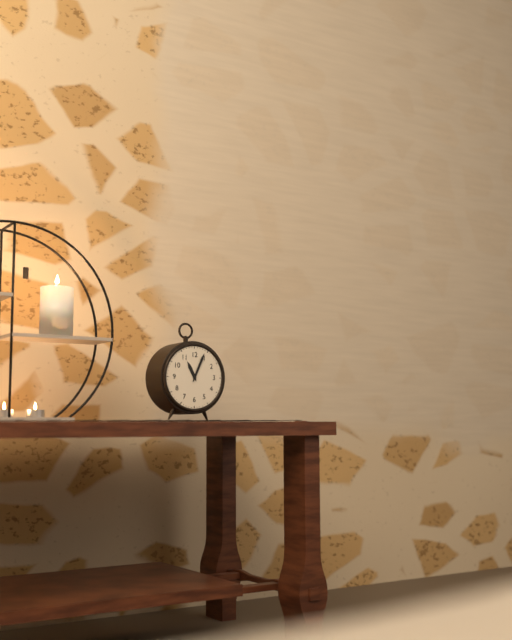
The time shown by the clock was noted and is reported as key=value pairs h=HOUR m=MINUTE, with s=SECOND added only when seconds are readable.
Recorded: h=11 m=4
